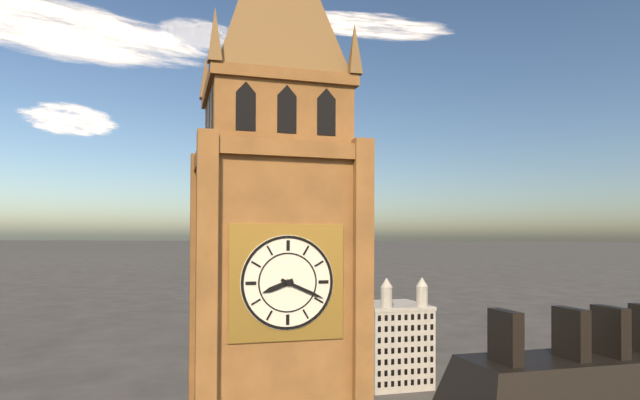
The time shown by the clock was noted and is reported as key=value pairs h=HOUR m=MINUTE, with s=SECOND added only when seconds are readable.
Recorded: h=8 m=19
